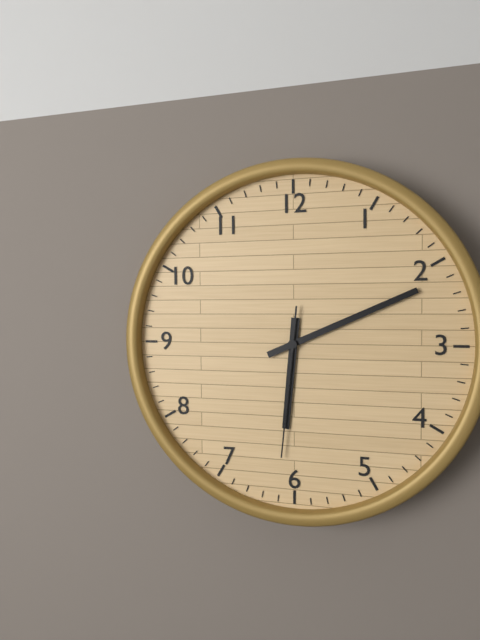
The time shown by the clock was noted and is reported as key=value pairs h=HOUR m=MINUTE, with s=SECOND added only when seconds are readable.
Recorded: h=6 m=11 s=31
